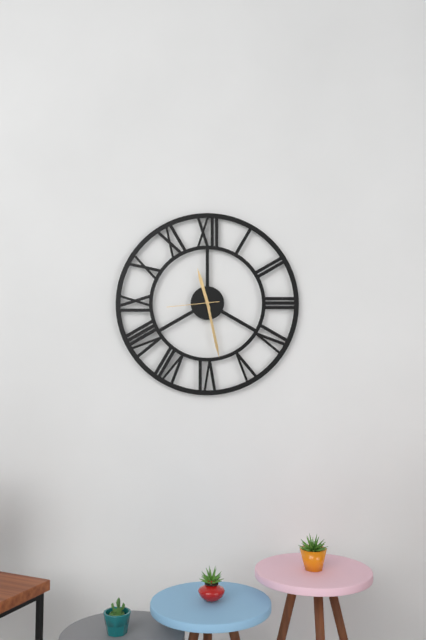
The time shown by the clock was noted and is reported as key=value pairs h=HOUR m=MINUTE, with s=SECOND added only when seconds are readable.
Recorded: h=11 m=28 s=44
